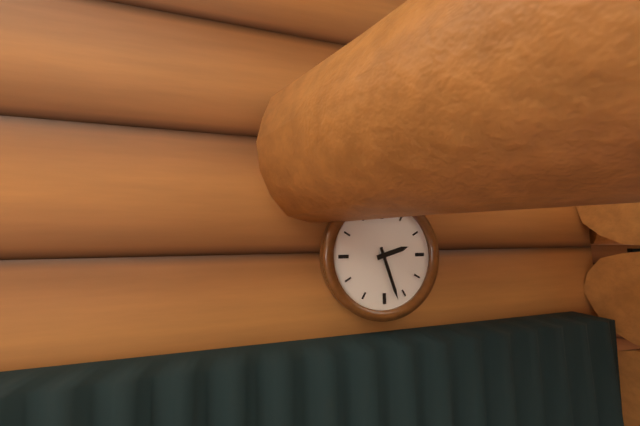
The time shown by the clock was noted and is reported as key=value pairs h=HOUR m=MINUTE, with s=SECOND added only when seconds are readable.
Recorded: h=2 m=27
